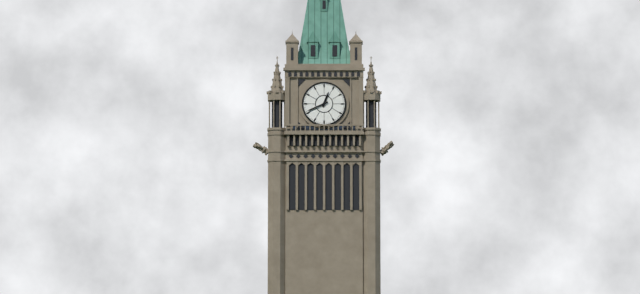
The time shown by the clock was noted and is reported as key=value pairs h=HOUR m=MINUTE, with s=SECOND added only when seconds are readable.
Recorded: h=12 m=41
